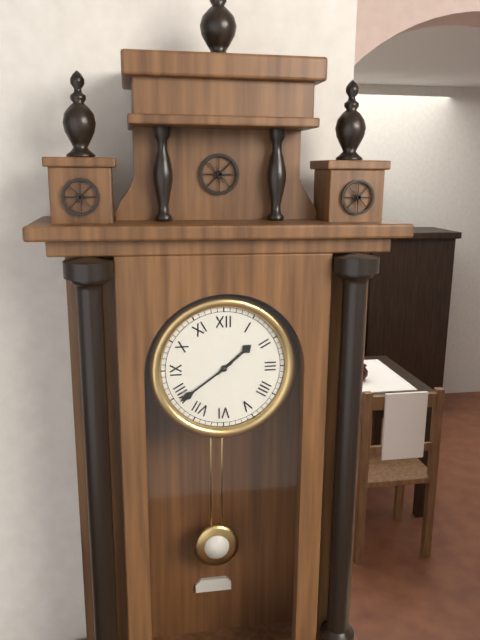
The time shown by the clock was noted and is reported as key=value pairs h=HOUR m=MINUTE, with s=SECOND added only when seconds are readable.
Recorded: h=1 m=39
